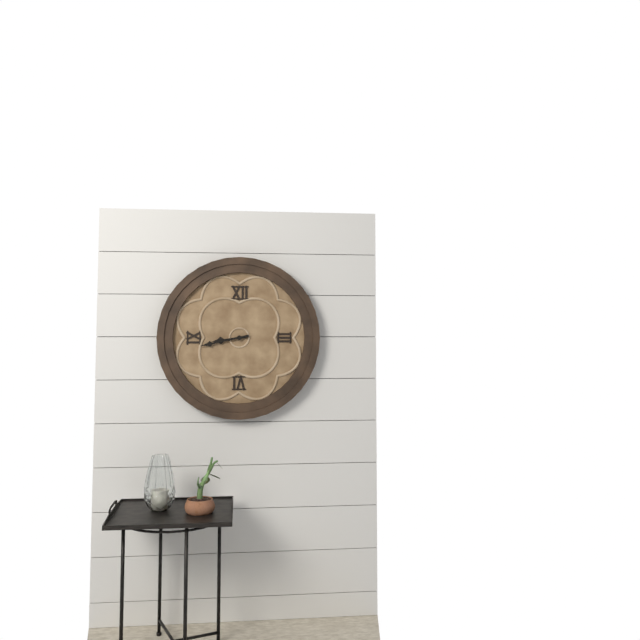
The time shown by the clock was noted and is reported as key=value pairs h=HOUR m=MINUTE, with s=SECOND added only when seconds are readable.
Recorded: h=8 m=43
